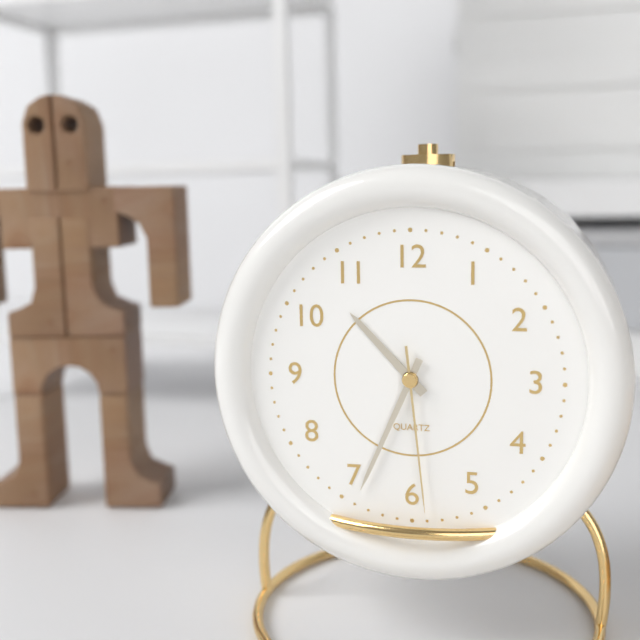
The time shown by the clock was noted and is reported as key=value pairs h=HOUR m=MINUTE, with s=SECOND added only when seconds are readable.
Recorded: h=10 m=34 s=29
